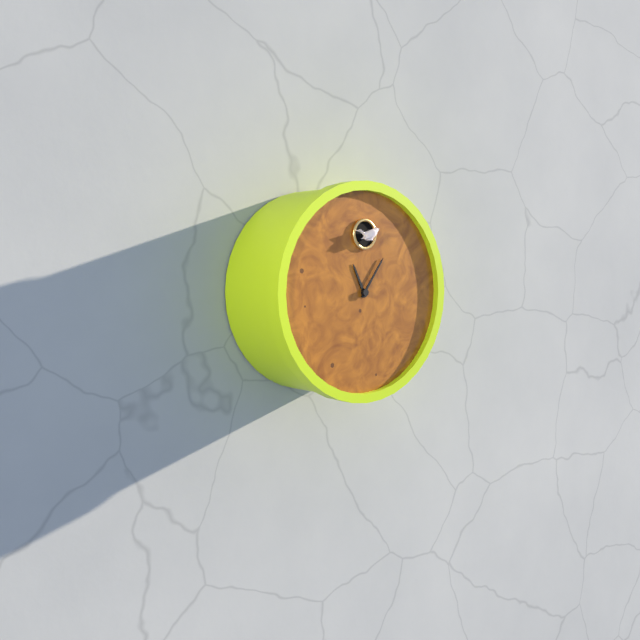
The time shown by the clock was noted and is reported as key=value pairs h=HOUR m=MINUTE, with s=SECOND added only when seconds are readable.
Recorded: h=11 m=6
